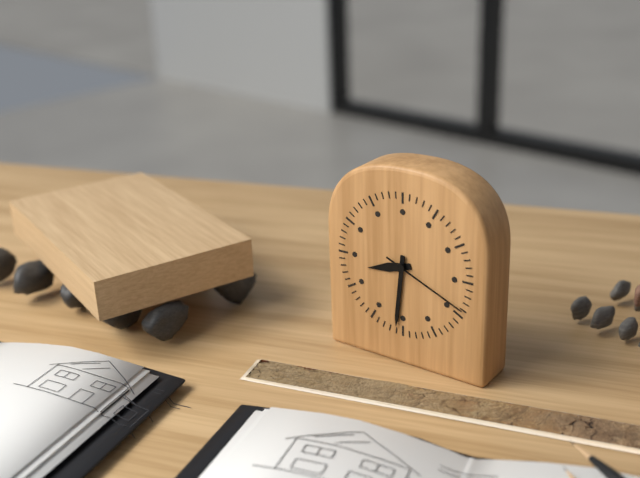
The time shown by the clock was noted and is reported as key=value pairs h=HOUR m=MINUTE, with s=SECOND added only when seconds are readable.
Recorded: h=8 m=31 s=19
